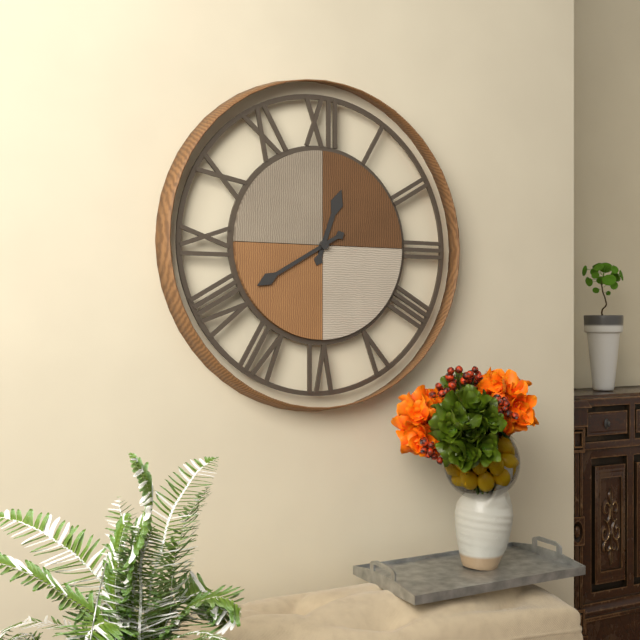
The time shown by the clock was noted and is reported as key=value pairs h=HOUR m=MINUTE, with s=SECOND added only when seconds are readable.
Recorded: h=12 m=40
